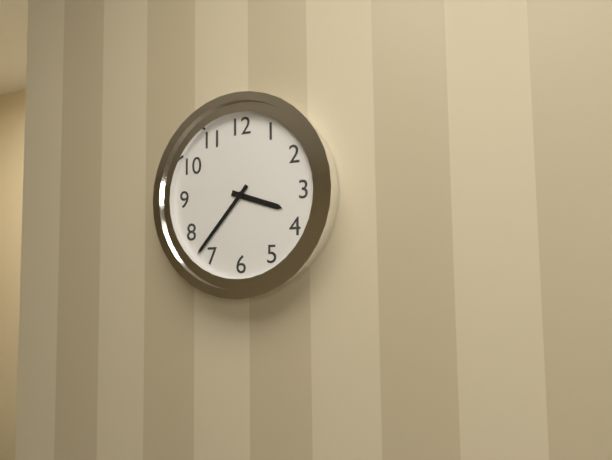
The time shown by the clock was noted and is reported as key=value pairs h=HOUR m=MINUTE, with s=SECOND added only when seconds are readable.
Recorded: h=3 m=37
